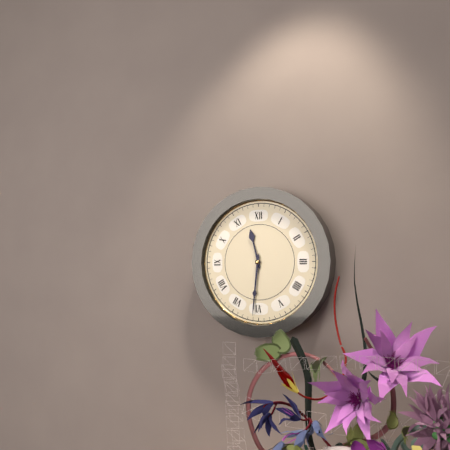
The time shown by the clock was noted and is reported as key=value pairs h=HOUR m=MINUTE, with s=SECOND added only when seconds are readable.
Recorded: h=11 m=31
